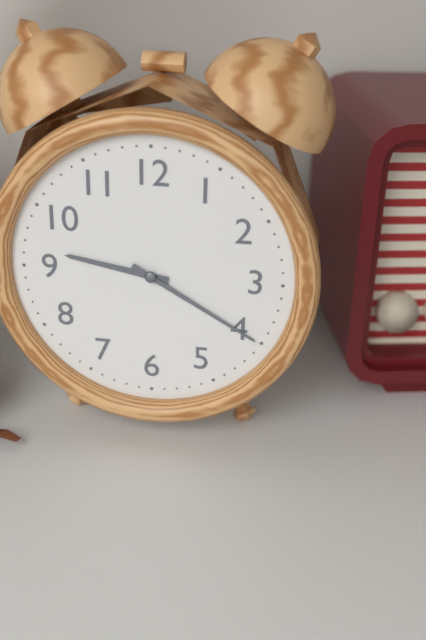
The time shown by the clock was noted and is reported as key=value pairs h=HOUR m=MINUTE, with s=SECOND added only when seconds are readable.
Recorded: h=9 m=20
